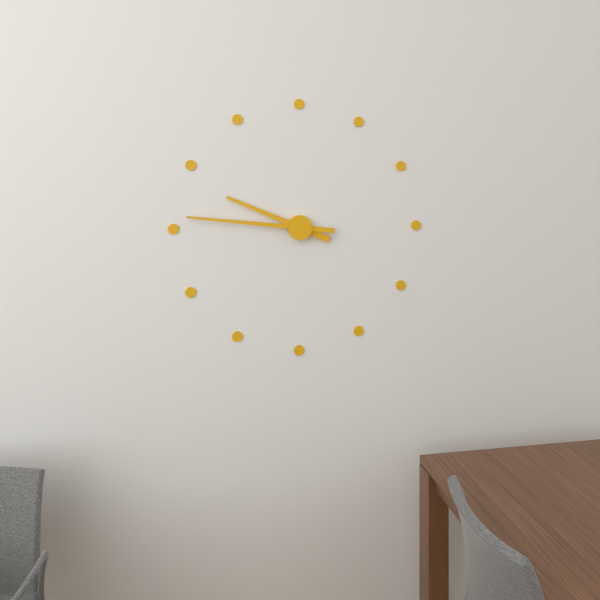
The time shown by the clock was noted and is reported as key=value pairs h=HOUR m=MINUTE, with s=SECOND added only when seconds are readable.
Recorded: h=9 m=46
